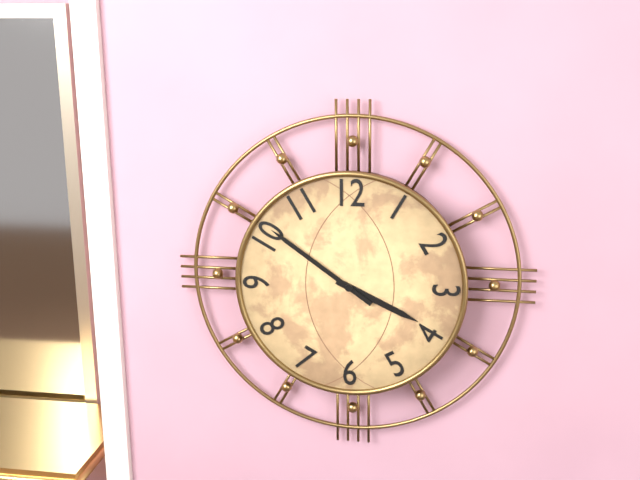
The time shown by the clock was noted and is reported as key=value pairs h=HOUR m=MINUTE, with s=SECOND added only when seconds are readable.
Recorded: h=3 m=51
